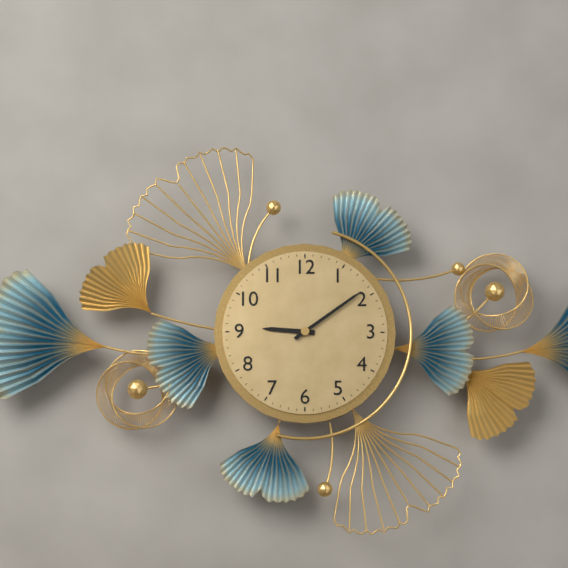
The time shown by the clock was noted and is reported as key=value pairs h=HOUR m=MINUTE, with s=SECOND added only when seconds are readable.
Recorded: h=9 m=9
